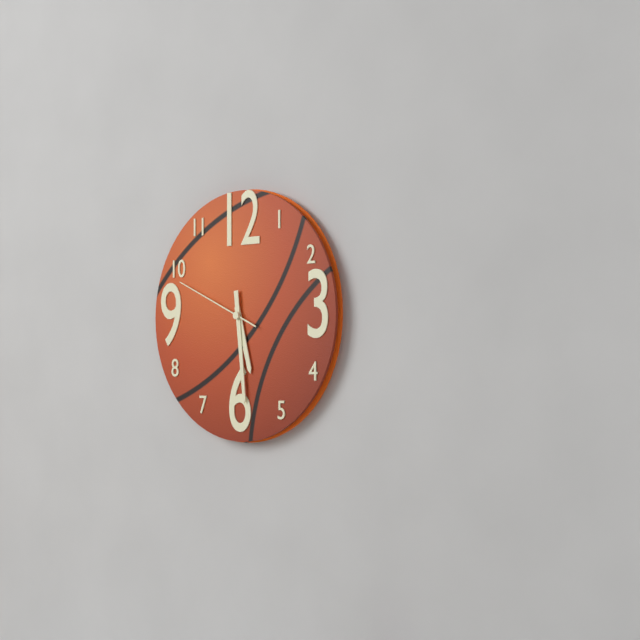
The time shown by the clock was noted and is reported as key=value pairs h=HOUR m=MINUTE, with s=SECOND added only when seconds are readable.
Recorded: h=5 m=29 s=49
